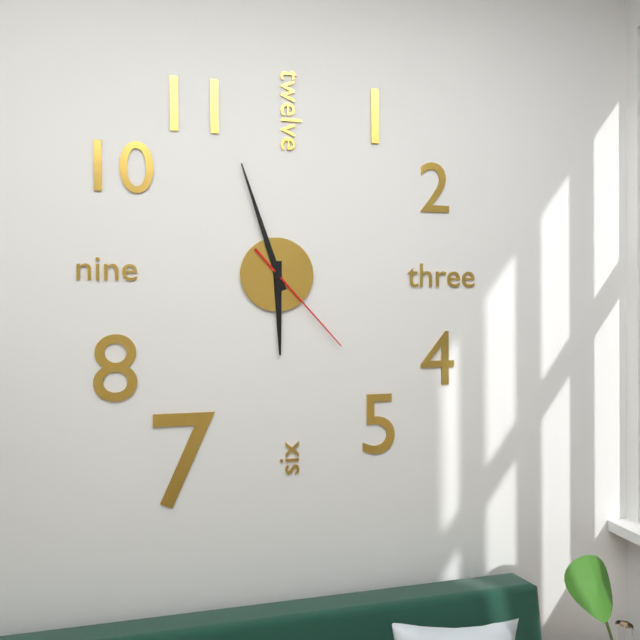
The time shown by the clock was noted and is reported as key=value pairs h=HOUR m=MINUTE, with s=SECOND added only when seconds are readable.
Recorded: h=5 m=57 s=23
